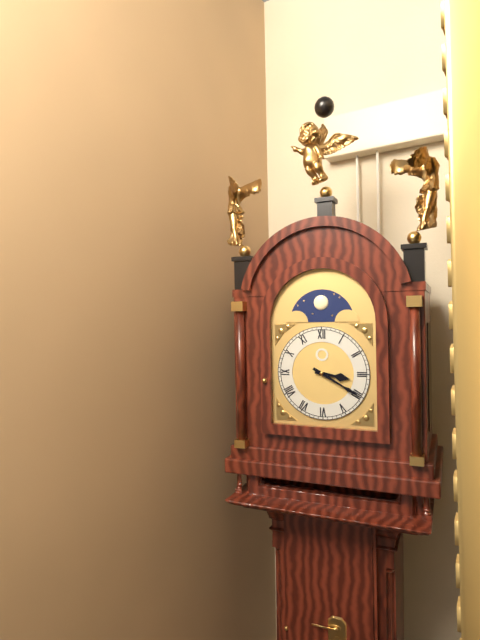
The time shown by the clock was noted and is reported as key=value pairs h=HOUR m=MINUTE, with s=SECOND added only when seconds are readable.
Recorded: h=3 m=20
